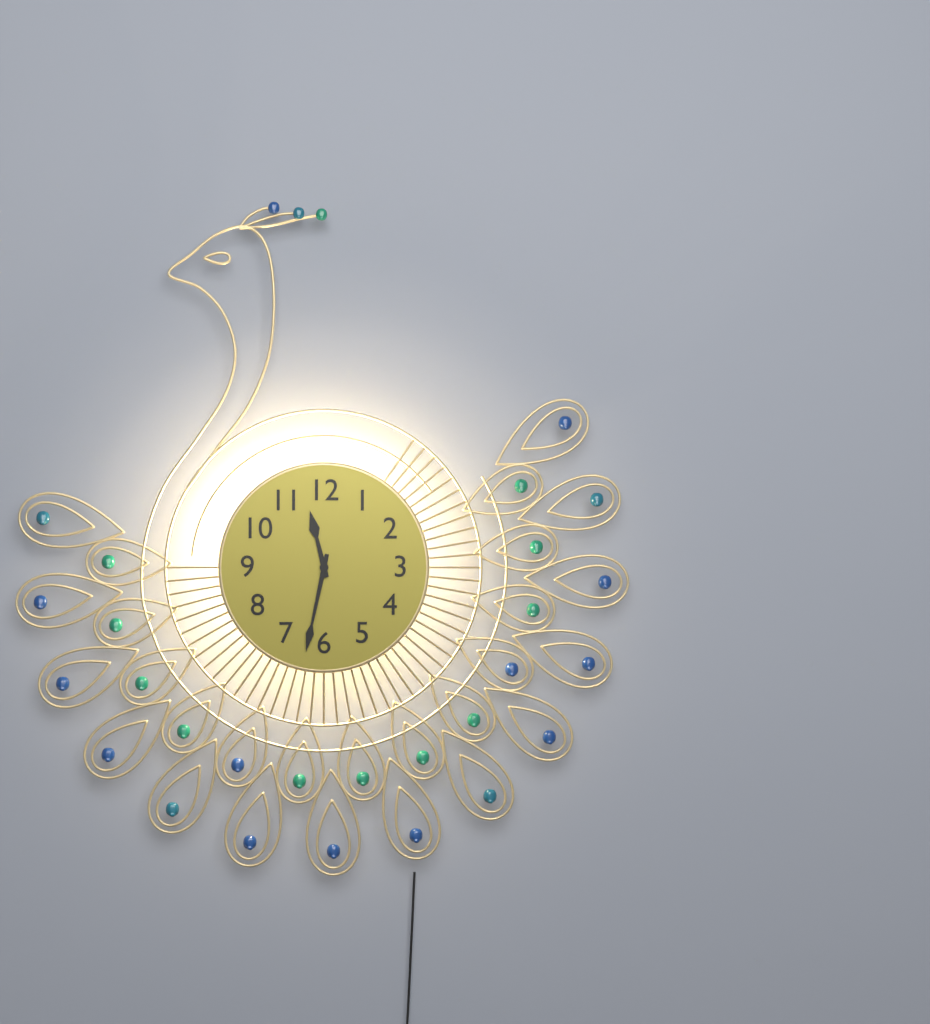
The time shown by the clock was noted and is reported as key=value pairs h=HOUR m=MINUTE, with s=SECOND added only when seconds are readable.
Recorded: h=11 m=32
